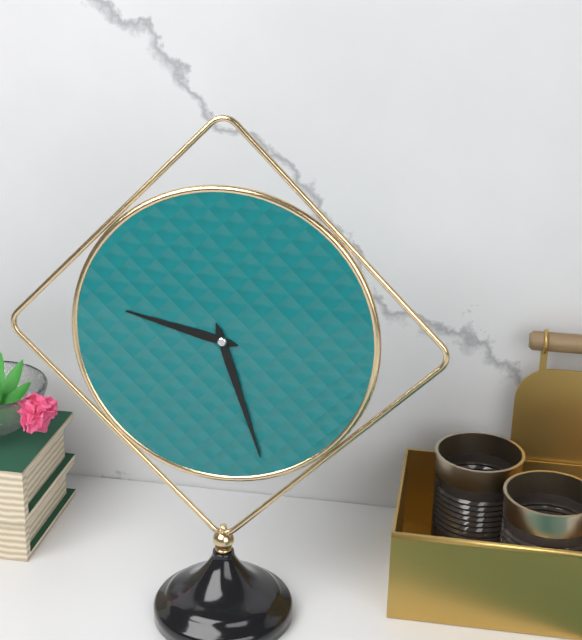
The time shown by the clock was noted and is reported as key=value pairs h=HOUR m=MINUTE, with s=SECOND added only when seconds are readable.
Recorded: h=9 m=27
